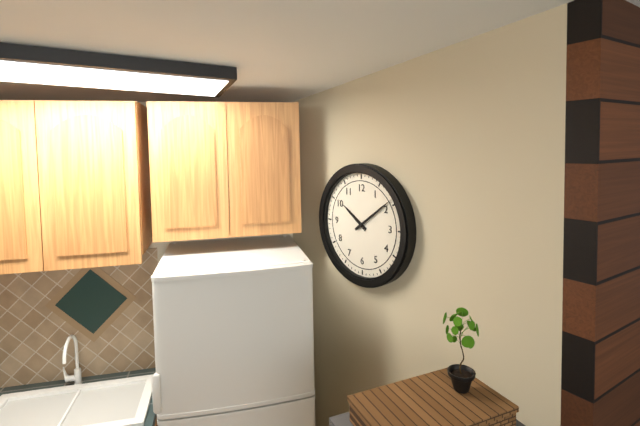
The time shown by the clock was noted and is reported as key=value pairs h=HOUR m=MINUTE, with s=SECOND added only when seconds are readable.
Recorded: h=10 m=9
